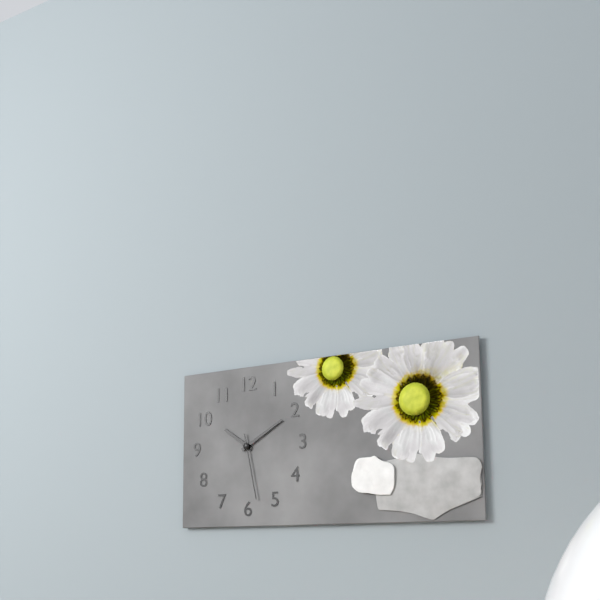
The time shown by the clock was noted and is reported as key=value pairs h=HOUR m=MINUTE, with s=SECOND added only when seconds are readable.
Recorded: h=10 m=10 s=28
